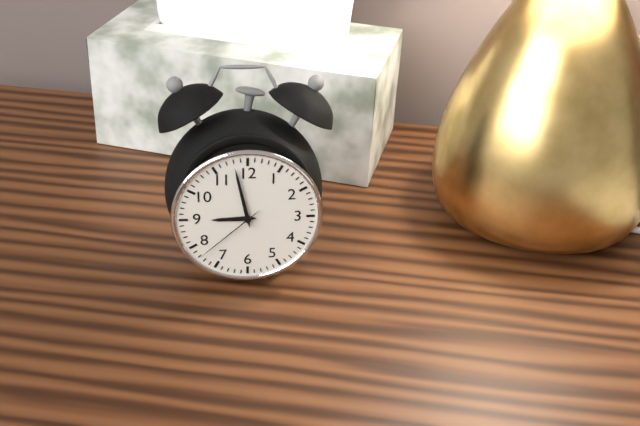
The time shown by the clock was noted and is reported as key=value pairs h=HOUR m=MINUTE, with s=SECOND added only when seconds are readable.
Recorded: h=8 m=58 s=38
